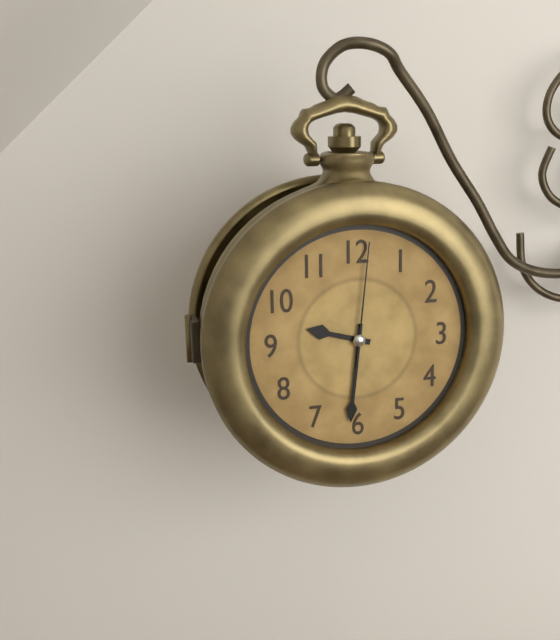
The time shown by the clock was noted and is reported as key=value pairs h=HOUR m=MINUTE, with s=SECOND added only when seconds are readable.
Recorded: h=9 m=31 s=1
